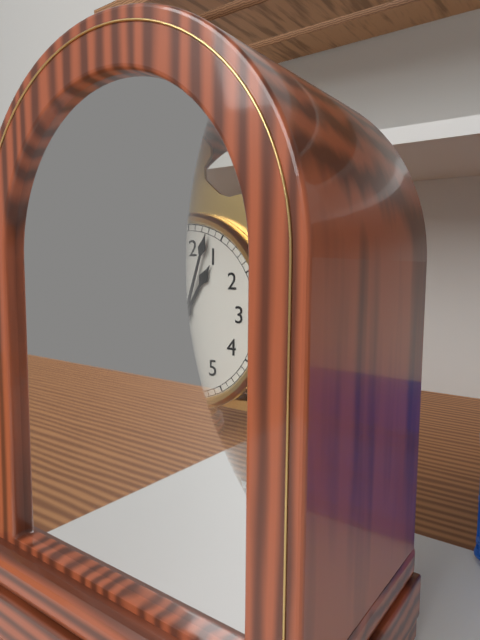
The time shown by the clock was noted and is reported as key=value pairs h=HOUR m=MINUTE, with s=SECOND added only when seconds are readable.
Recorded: h=1 m=3
